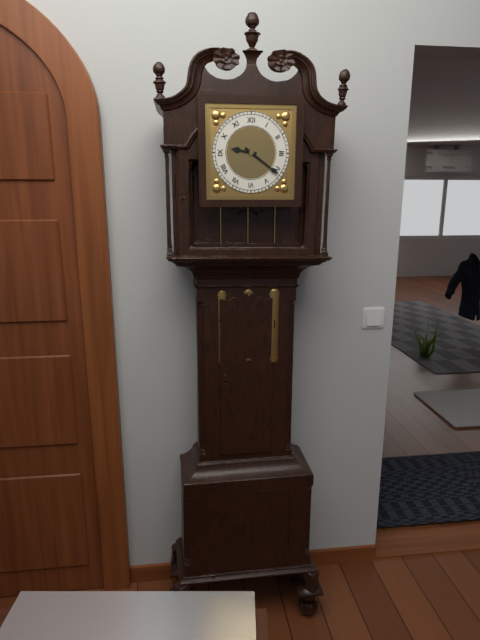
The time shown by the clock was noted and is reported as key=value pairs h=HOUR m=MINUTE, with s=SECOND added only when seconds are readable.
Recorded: h=9 m=21
